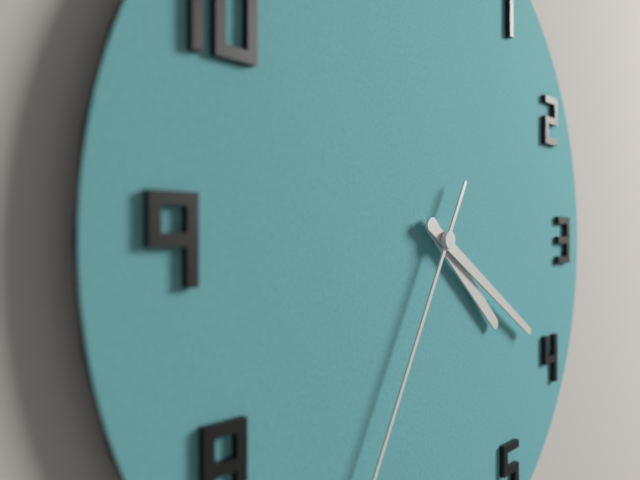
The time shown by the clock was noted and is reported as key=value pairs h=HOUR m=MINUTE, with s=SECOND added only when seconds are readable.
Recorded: h=4 m=20
